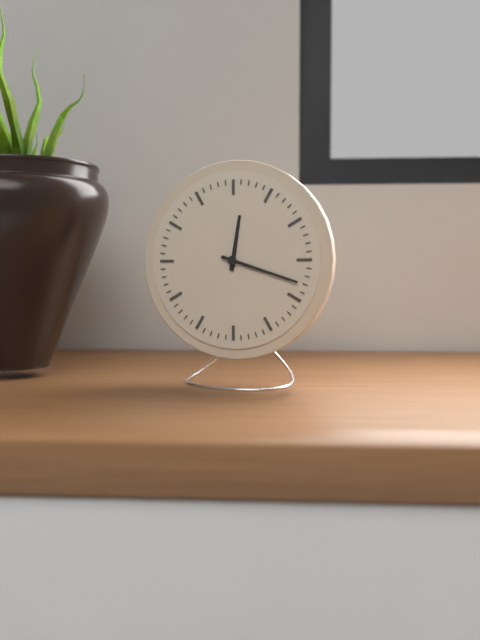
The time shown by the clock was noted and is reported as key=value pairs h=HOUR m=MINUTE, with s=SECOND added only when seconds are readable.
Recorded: h=12 m=18
